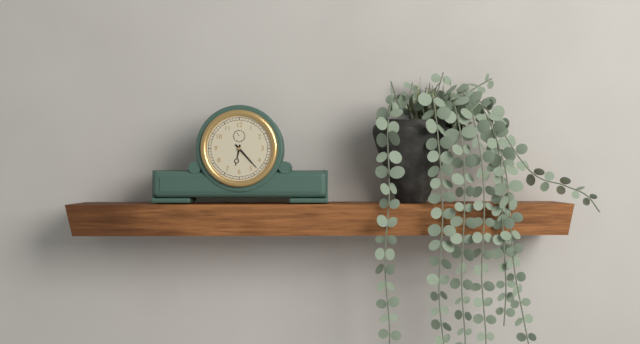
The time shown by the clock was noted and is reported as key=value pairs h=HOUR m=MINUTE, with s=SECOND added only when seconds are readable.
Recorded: h=6 m=23
